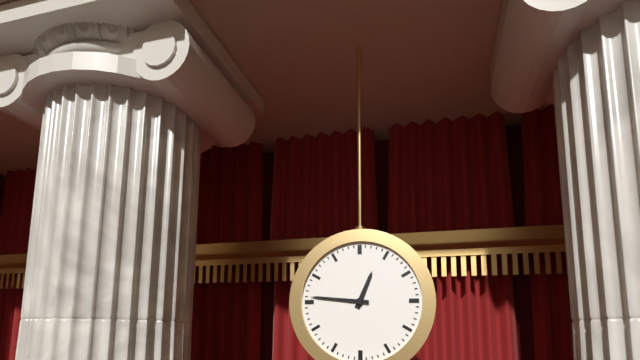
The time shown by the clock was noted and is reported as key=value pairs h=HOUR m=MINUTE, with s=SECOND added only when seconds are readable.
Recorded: h=12 m=46
